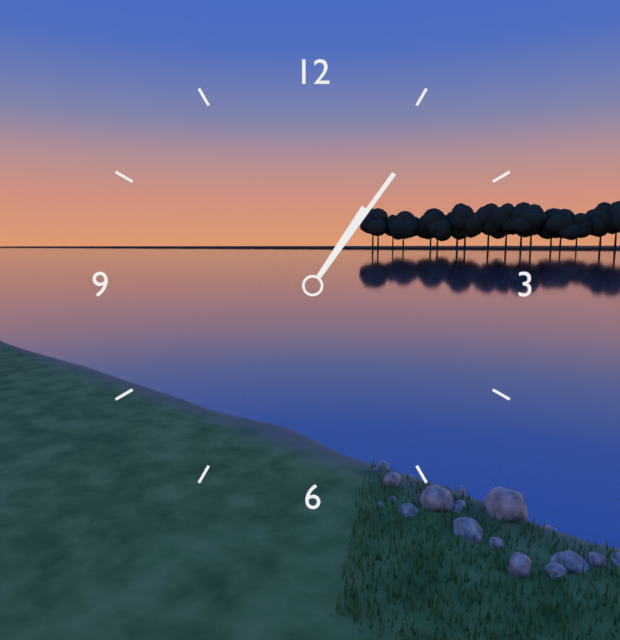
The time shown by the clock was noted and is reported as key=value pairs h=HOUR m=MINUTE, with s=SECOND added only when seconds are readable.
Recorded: h=1 m=6
